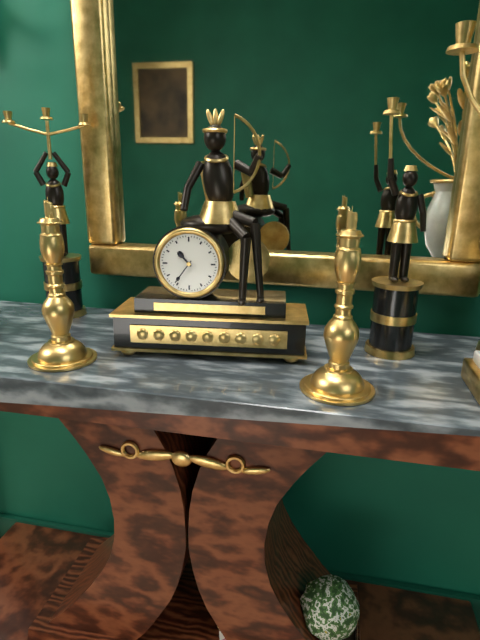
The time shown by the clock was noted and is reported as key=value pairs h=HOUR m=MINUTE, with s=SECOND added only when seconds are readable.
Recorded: h=10 m=36
